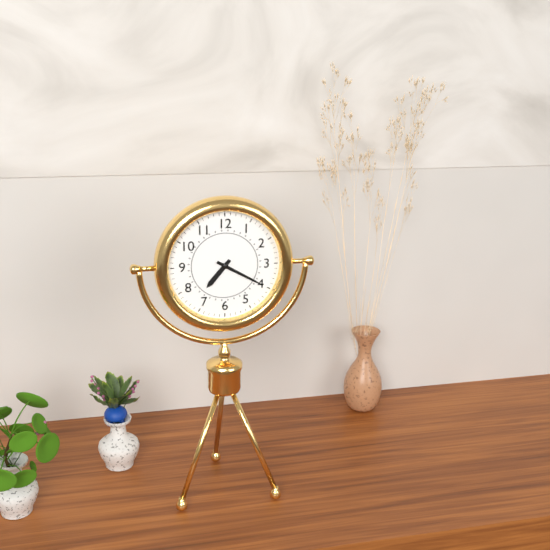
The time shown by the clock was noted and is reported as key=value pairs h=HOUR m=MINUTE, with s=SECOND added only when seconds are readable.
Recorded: h=7 m=20
